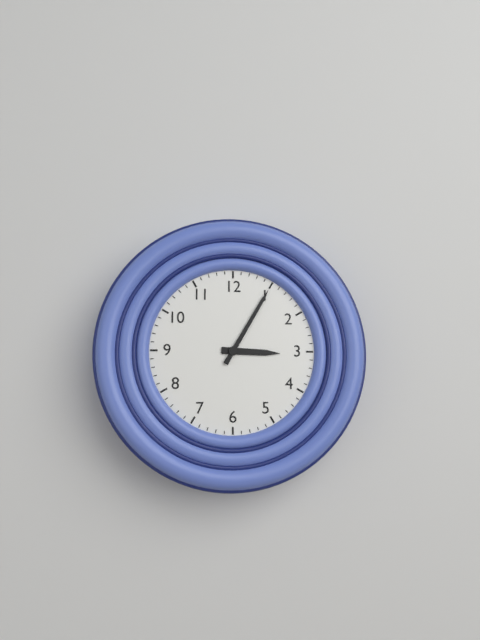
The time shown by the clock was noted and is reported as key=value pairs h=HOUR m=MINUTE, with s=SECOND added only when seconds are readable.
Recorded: h=3 m=5
